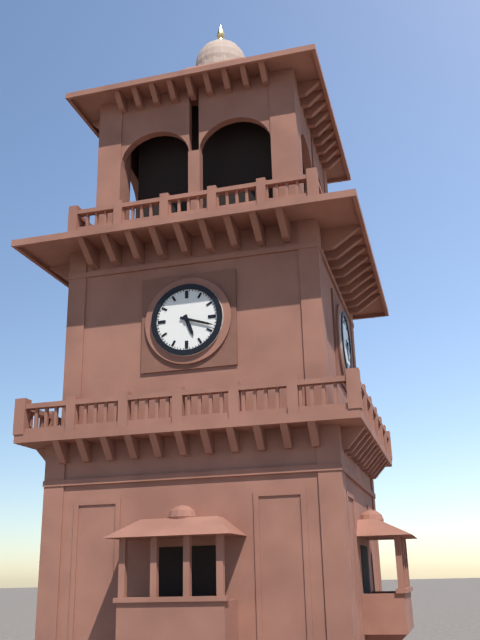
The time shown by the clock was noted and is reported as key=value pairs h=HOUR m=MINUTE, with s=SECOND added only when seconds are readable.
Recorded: h=5 m=18
